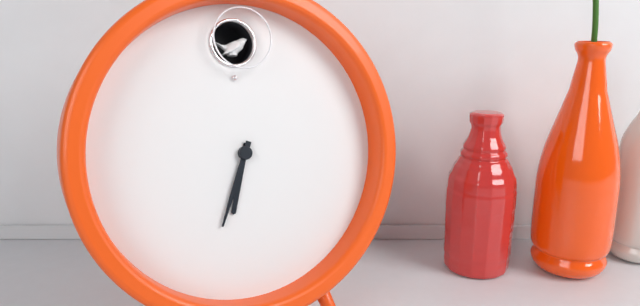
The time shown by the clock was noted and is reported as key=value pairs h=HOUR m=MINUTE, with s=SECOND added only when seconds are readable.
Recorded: h=6 m=34
